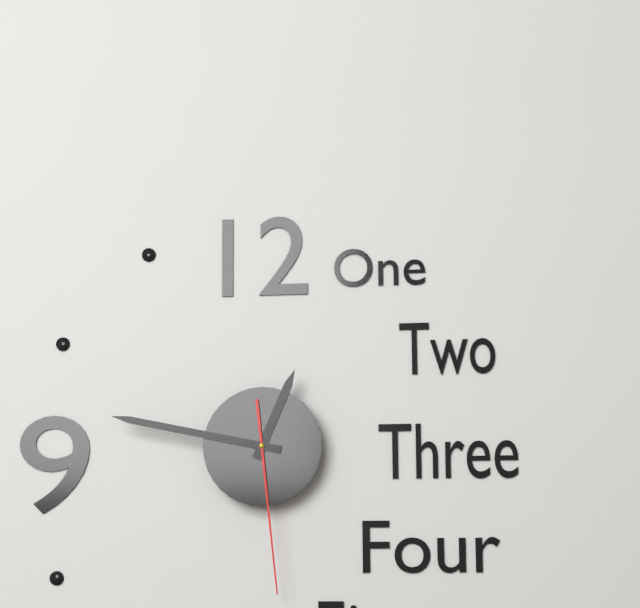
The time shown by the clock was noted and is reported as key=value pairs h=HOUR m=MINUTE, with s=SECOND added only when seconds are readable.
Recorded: h=12 m=47 s=29
